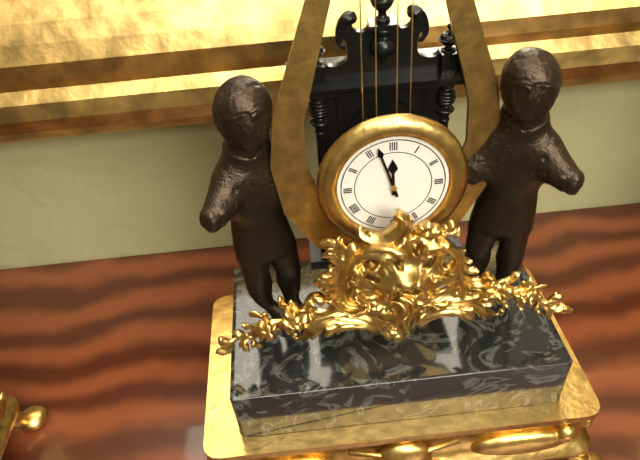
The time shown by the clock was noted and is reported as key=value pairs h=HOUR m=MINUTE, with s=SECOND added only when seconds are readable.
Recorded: h=11 m=57
